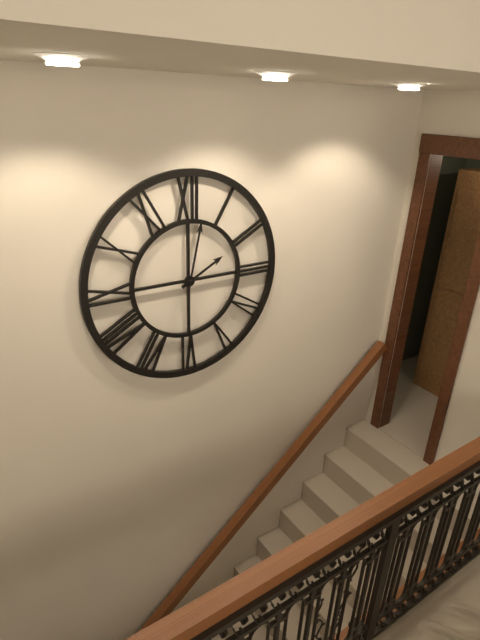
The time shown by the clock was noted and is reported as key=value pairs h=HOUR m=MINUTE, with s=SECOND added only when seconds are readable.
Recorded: h=2 m=2
